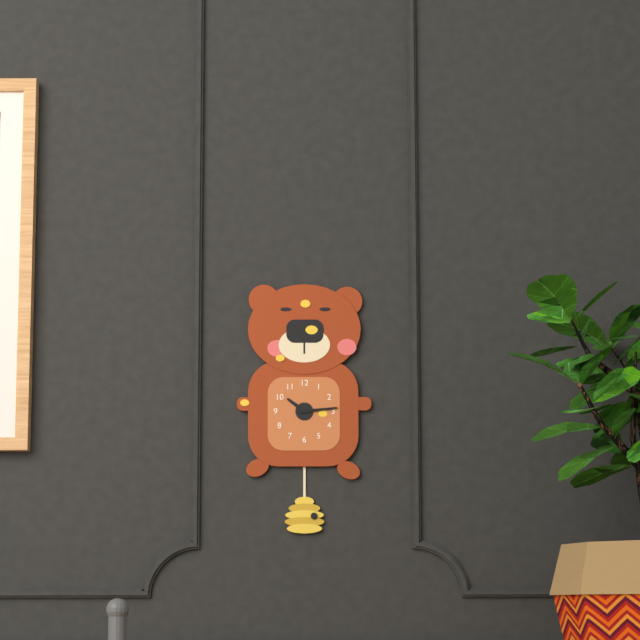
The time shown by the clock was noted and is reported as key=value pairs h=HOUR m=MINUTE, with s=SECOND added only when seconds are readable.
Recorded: h=10 m=14
